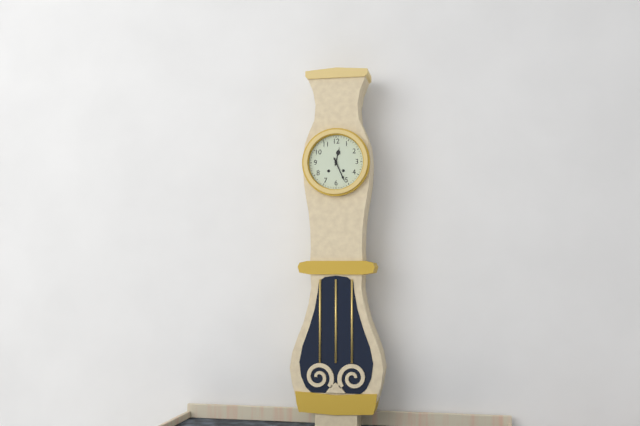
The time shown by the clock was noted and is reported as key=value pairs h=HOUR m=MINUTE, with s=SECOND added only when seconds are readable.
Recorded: h=12 m=26
